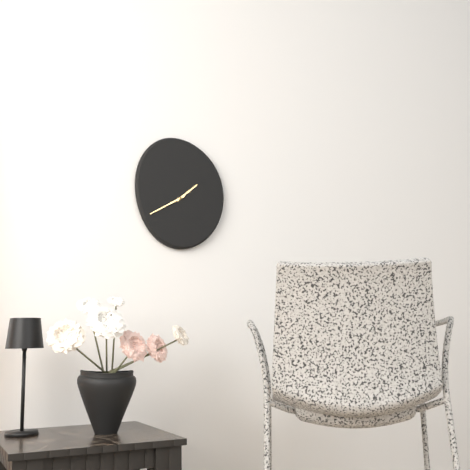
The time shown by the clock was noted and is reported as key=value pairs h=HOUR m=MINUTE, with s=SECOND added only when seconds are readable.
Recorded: h=1 m=40
